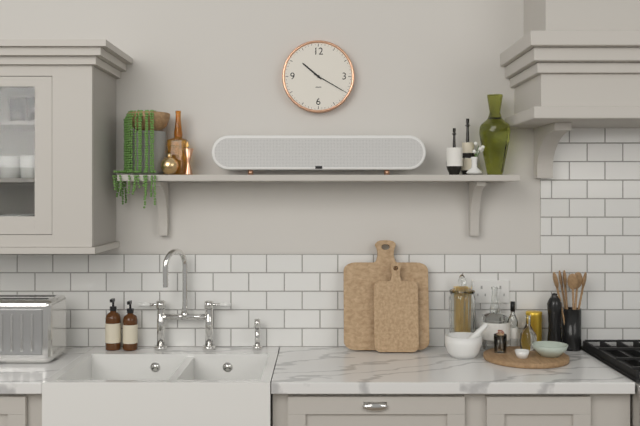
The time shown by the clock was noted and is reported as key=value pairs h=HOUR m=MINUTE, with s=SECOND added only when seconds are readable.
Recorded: h=10 m=20
